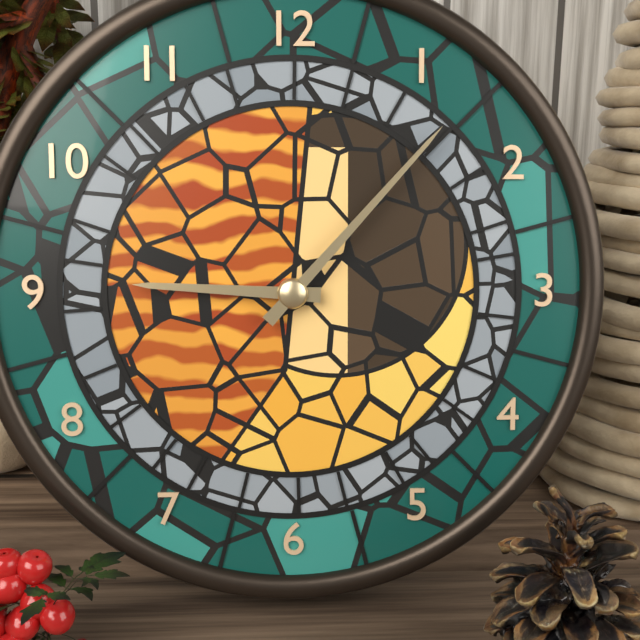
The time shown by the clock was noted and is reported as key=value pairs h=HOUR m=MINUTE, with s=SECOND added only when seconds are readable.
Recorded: h=9 m=7
